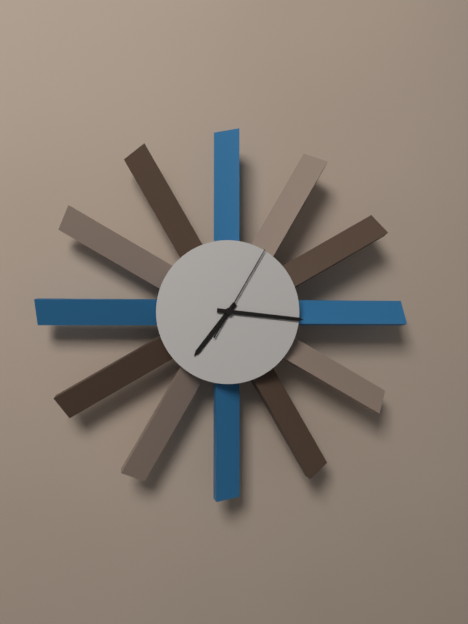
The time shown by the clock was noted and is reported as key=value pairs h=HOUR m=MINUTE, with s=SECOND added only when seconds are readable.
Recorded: h=7 m=16 s=5
